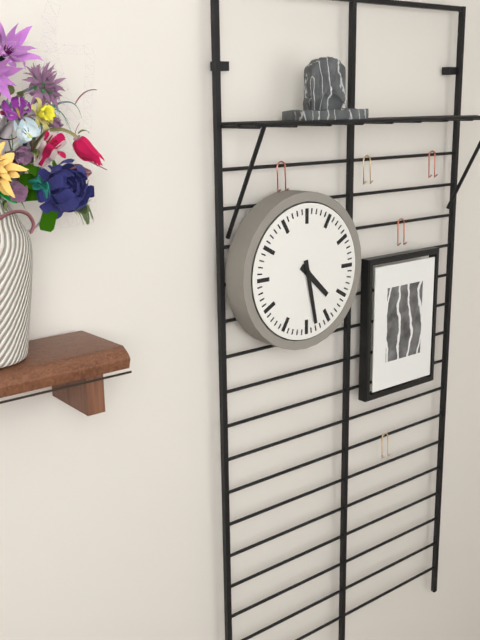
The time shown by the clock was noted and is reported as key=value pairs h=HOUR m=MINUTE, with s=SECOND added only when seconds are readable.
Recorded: h=4 m=28
